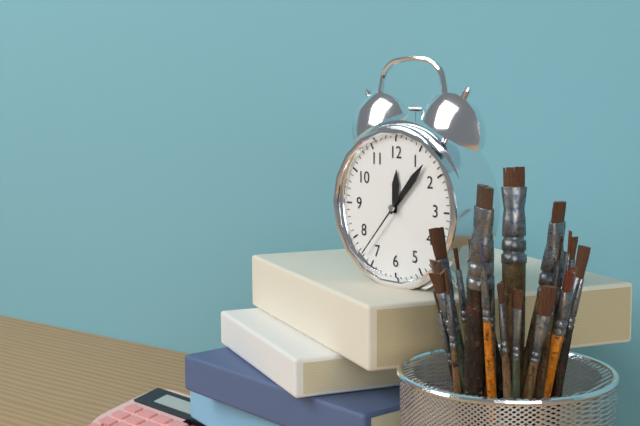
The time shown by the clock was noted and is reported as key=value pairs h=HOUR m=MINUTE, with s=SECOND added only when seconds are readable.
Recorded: h=12 m=7 s=37
